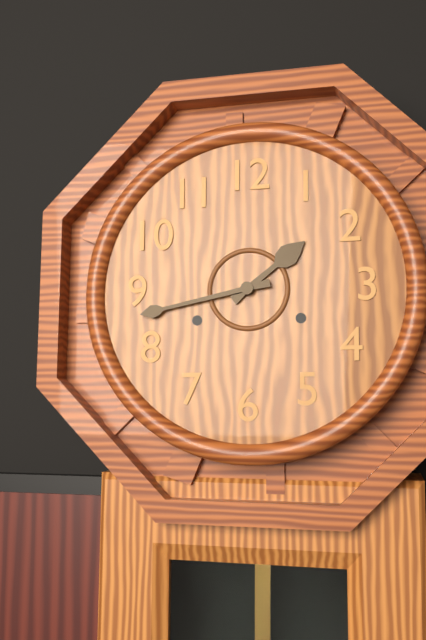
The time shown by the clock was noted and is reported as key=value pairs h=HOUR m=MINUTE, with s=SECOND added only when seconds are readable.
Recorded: h=1 m=43
